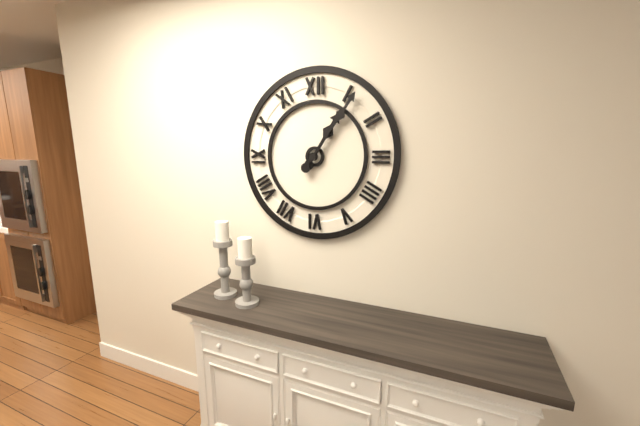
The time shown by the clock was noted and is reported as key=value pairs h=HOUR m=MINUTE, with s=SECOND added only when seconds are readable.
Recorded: h=1 m=6
